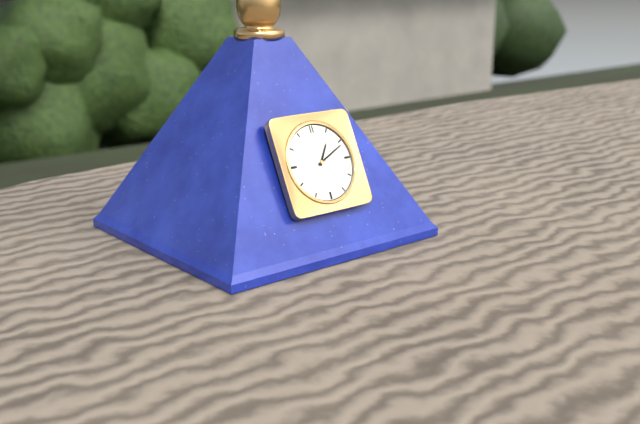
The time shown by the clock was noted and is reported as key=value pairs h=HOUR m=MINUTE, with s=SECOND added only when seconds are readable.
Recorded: h=1 m=11
